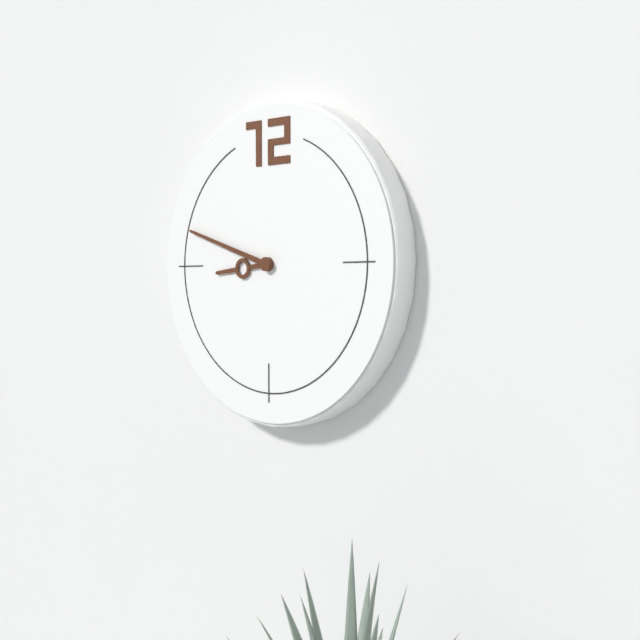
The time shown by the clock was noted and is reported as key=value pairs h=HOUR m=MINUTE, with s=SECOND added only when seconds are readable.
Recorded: h=8 m=48
